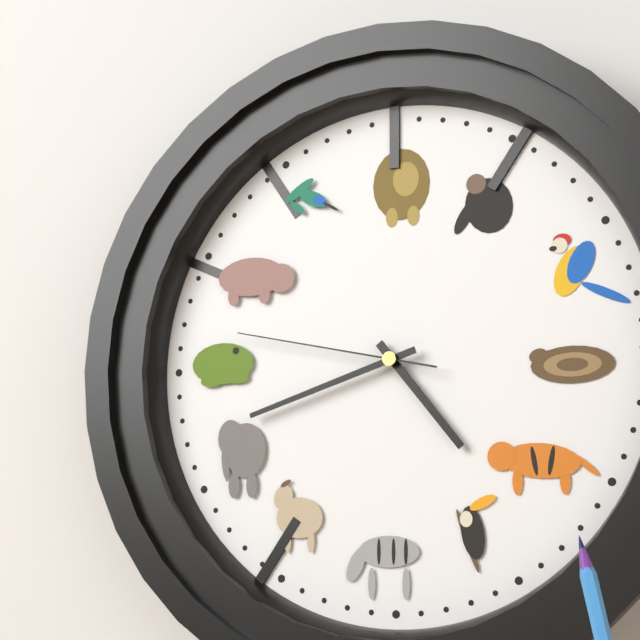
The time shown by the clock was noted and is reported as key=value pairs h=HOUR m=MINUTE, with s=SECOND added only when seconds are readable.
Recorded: h=4 m=42 s=47
